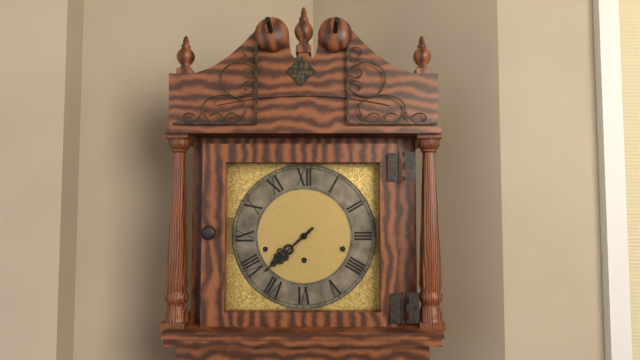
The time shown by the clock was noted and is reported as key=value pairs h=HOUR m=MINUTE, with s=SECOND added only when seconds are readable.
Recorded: h=7 m=38
